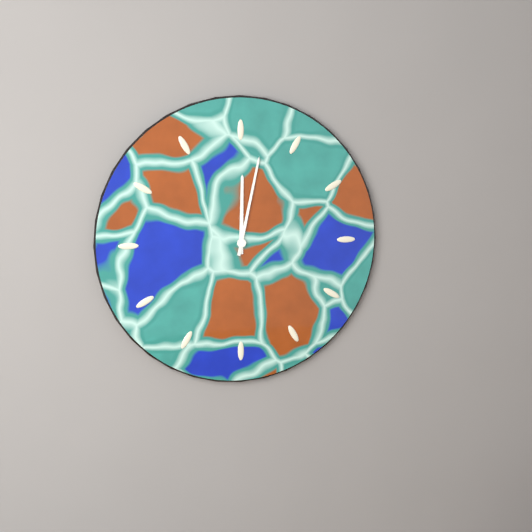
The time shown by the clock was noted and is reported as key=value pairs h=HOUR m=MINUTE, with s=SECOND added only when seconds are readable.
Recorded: h=12 m=2
